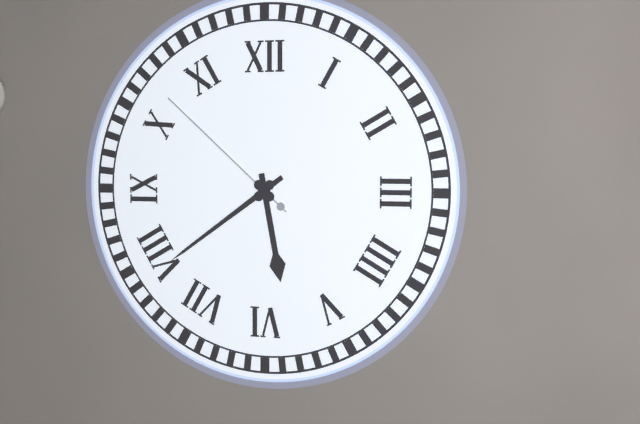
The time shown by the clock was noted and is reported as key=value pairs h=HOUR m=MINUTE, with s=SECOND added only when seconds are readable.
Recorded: h=5 m=39 s=52
